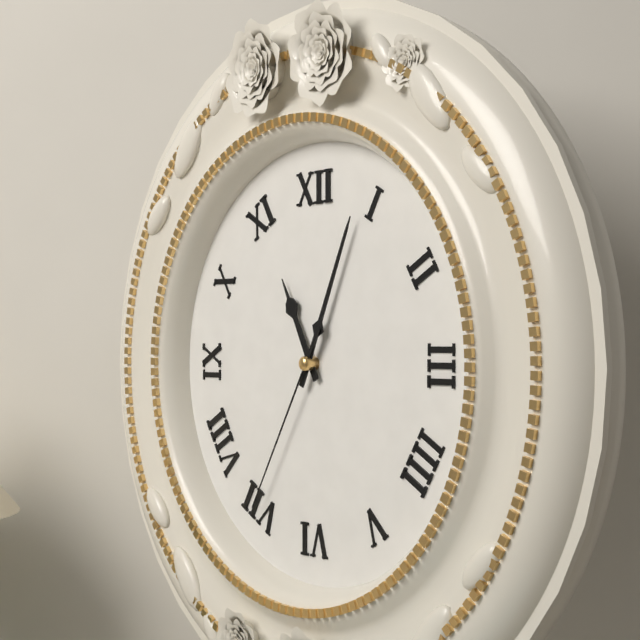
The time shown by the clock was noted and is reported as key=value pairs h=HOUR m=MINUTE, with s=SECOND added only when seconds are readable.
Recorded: h=11 m=4 s=35
